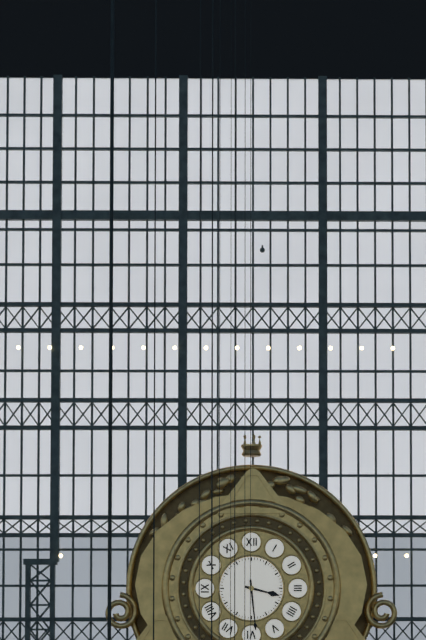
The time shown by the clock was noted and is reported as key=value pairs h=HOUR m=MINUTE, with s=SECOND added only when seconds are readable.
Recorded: h=3 m=29
